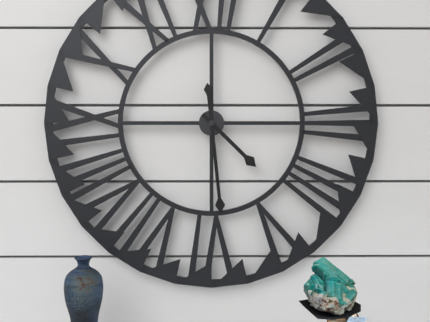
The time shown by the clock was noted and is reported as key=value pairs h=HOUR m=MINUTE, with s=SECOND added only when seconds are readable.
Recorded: h=4 m=29
